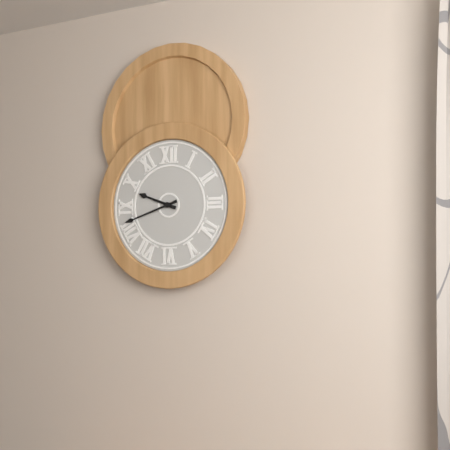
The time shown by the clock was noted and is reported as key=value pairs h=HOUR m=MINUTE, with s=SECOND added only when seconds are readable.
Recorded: h=9 m=42
